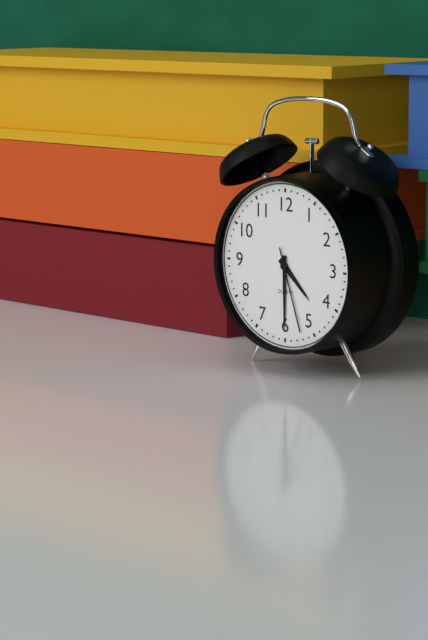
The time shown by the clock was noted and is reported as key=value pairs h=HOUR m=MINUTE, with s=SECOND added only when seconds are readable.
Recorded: h=4 m=30 s=27
